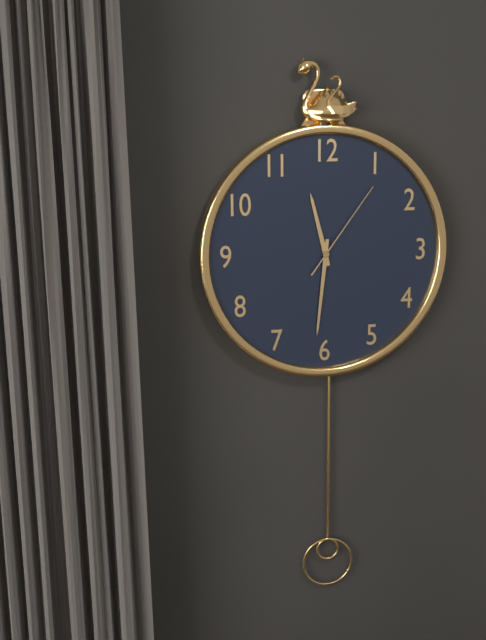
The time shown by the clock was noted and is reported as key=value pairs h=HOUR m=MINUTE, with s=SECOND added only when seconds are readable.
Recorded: h=11 m=31 s=6
